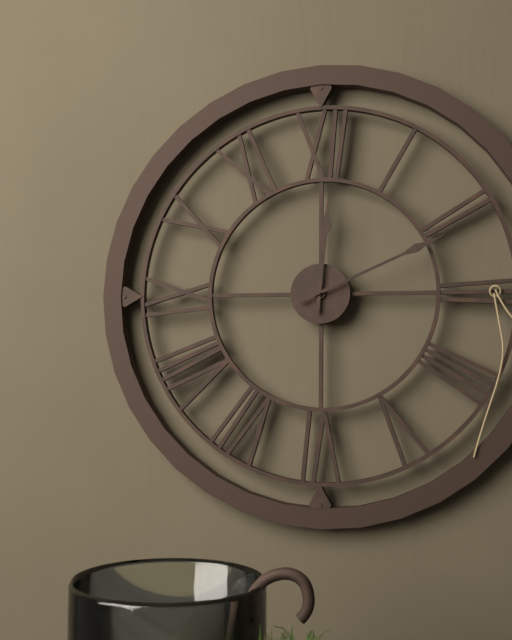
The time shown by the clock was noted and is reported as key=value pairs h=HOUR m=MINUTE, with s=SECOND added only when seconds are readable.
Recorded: h=12 m=11
